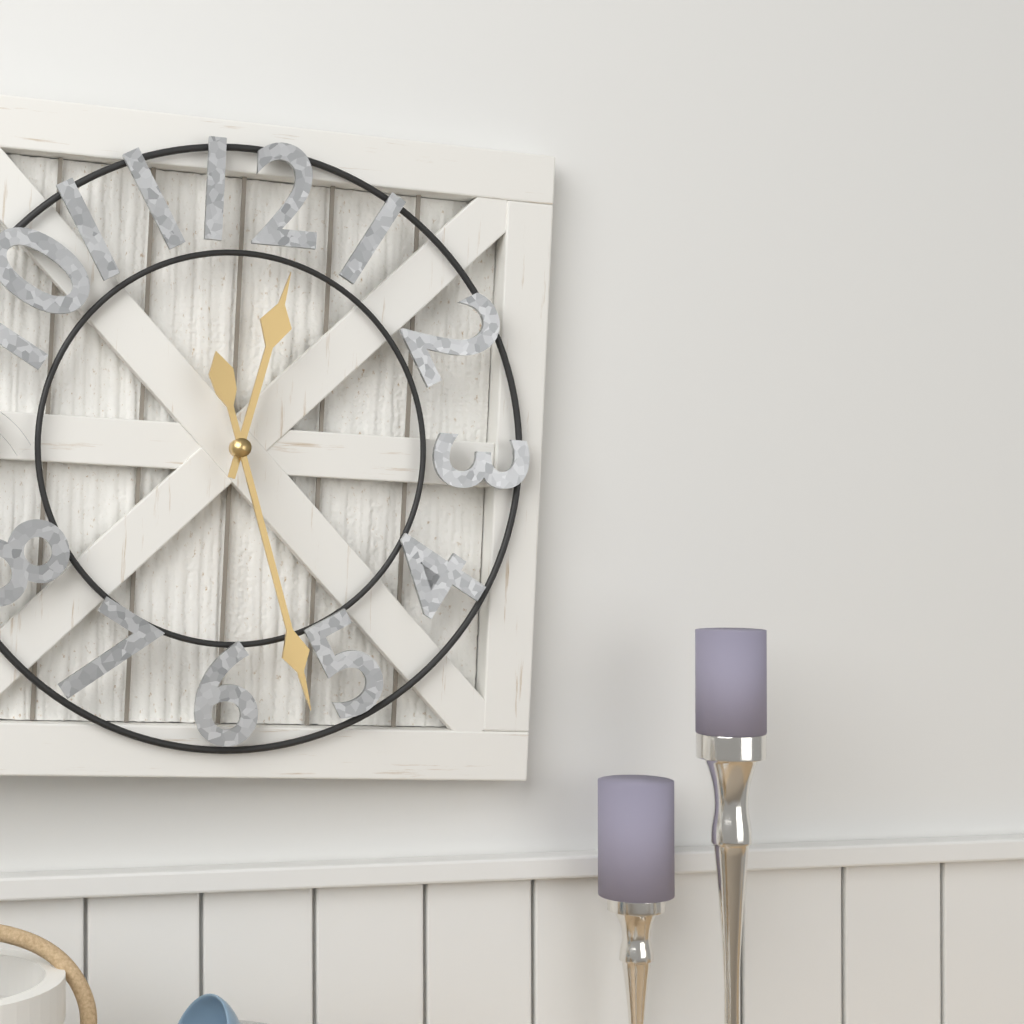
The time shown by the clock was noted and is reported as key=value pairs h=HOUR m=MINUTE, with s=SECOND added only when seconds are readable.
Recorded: h=12 m=27
